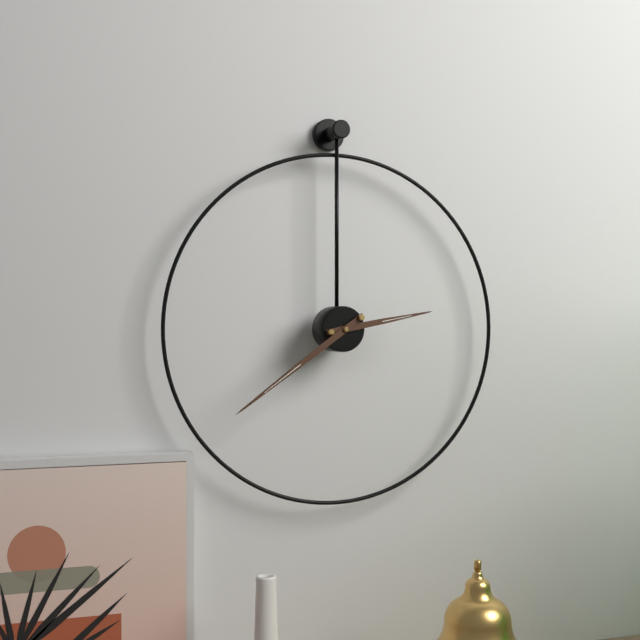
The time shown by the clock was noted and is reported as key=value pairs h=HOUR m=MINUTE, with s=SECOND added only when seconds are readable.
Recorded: h=2 m=39
